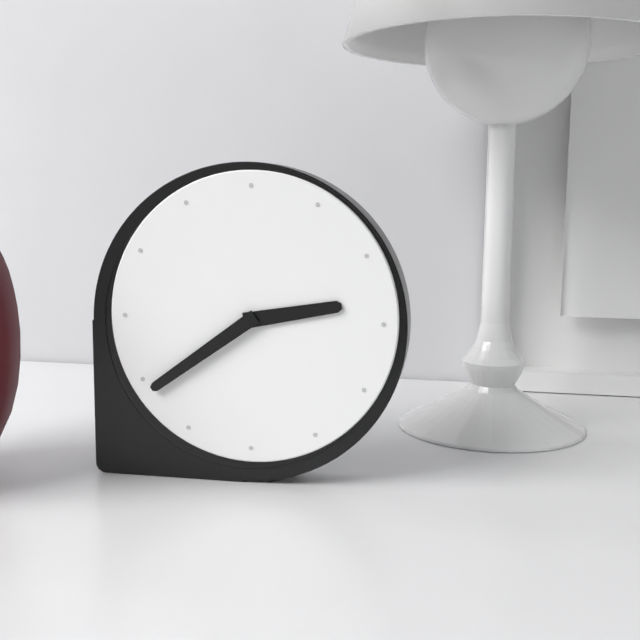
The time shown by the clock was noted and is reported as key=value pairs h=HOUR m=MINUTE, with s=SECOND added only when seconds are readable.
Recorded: h=2 m=39
